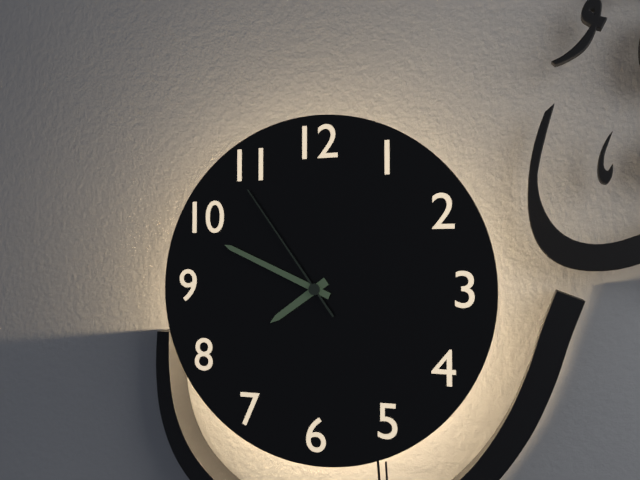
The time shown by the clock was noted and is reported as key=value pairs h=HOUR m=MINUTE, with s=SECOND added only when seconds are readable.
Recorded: h=7 m=49 s=54
